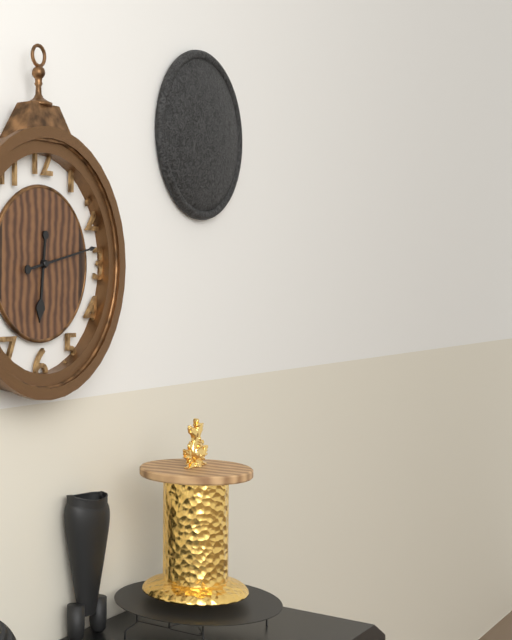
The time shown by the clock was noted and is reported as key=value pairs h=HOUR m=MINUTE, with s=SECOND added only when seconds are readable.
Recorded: h=6 m=13
